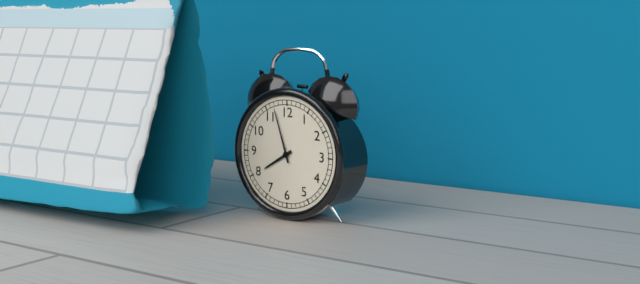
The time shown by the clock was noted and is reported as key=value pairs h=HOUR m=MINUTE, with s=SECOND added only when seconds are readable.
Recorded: h=7 m=57
